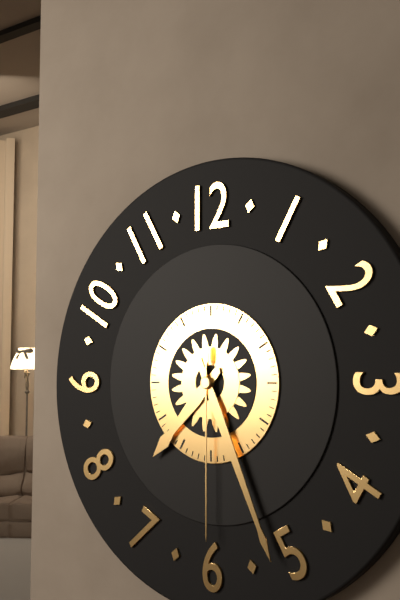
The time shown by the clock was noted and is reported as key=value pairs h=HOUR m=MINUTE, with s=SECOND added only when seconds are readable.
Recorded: h=7 m=26 s=30
